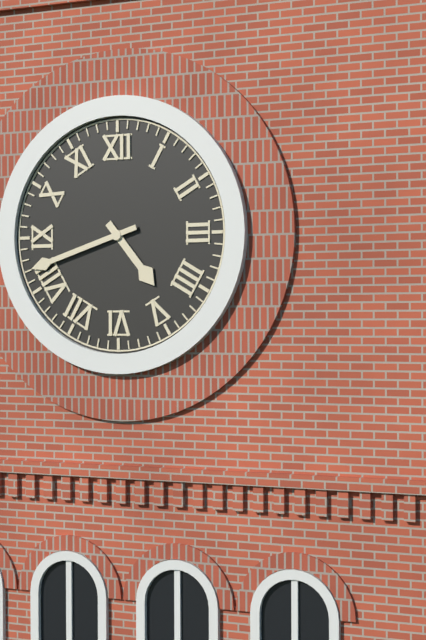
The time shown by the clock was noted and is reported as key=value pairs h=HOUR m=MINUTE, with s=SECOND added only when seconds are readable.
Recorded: h=4 m=42
